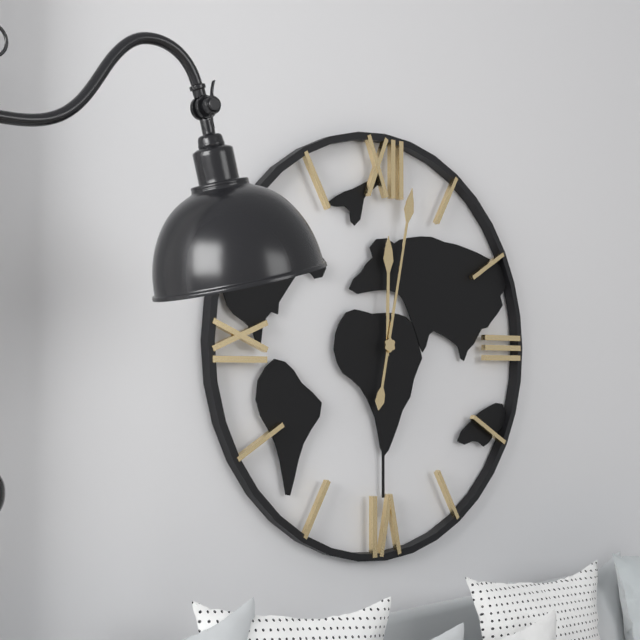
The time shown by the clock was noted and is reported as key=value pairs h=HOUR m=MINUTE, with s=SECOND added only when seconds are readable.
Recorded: h=12 m=2
